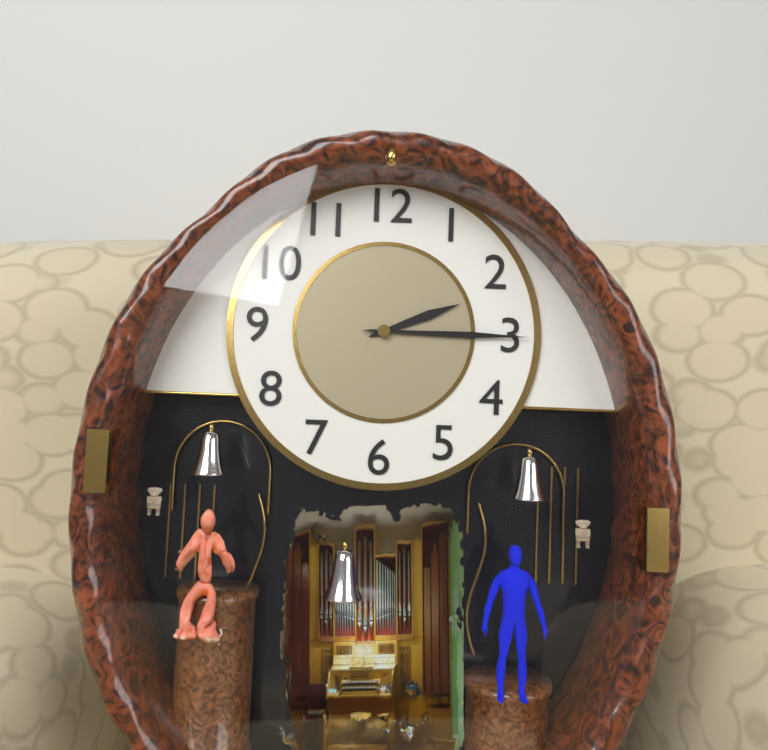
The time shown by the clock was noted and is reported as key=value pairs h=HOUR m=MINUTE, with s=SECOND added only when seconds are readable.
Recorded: h=2 m=15
